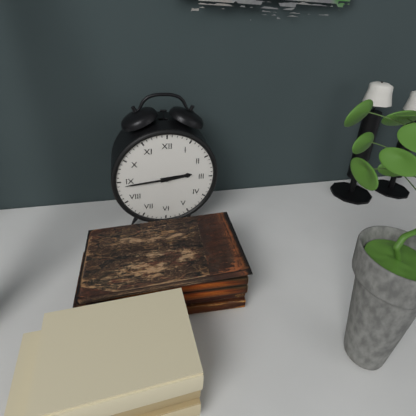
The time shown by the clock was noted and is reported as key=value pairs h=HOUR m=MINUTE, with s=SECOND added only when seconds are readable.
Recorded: h=2 m=44
